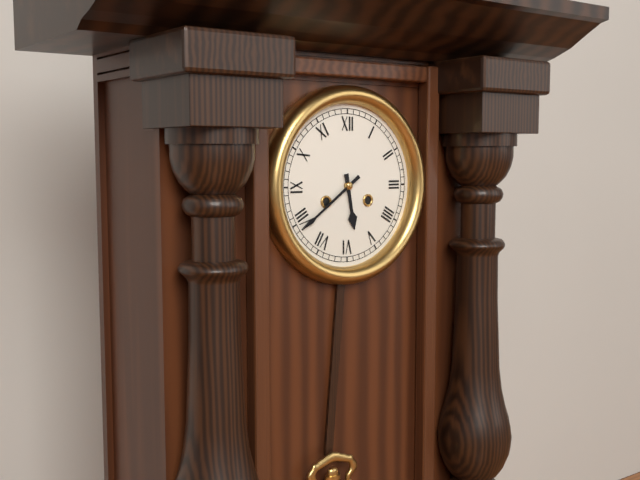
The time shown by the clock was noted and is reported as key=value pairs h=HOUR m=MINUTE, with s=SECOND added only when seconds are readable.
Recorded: h=5 m=39
